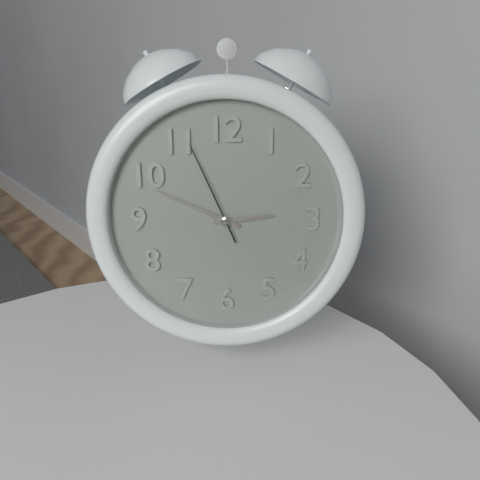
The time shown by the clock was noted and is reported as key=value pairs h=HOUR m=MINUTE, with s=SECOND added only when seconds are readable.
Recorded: h=2 m=49 s=56
